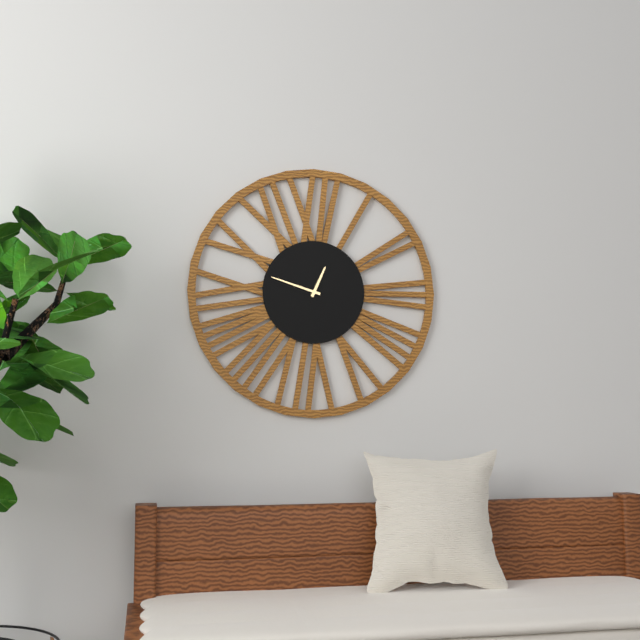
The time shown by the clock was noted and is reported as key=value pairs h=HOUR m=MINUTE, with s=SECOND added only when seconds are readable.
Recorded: h=12 m=48
